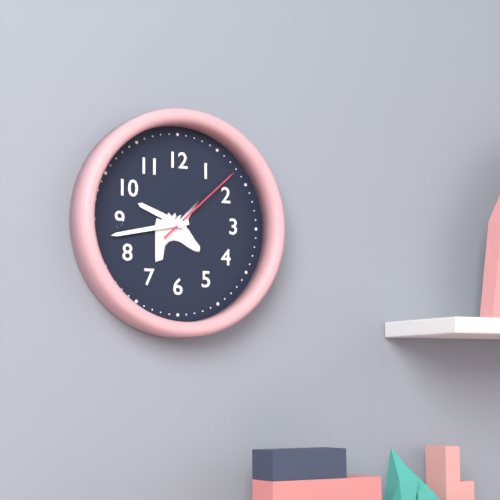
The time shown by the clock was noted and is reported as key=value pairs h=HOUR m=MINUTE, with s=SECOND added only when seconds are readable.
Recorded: h=9 m=43 s=8
